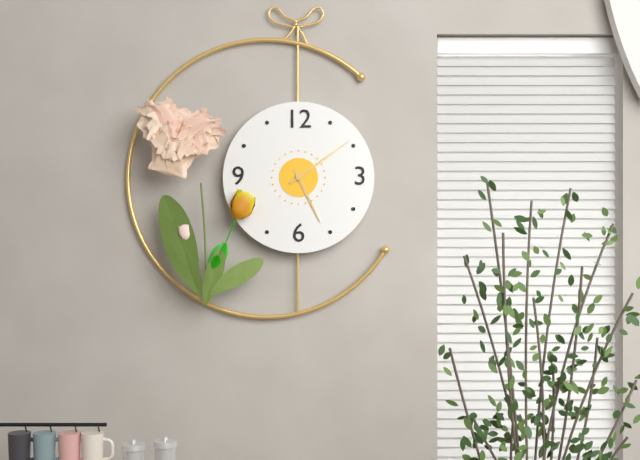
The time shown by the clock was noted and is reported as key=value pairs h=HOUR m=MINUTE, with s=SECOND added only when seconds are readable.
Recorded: h=5 m=9
